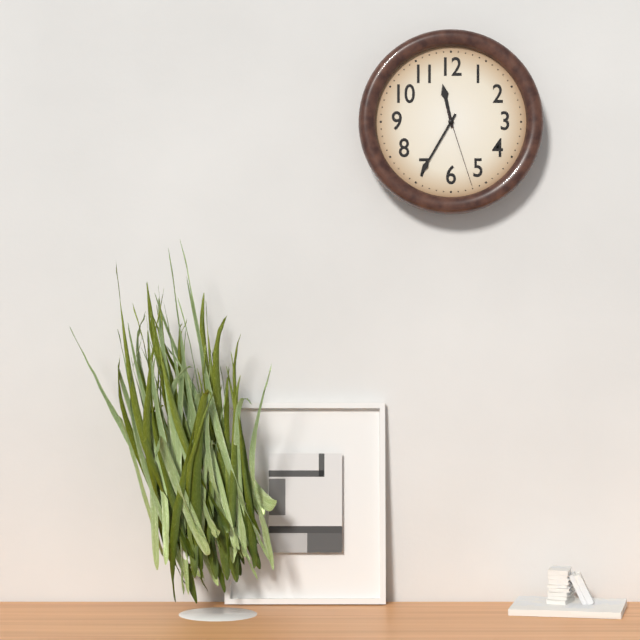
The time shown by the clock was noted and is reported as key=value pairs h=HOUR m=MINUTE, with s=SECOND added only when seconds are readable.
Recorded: h=11 m=35 s=27
